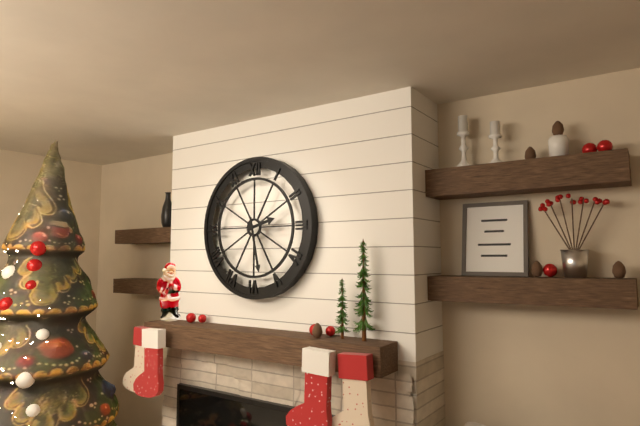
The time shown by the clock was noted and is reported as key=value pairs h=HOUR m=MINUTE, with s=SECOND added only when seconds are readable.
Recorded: h=2 m=28
